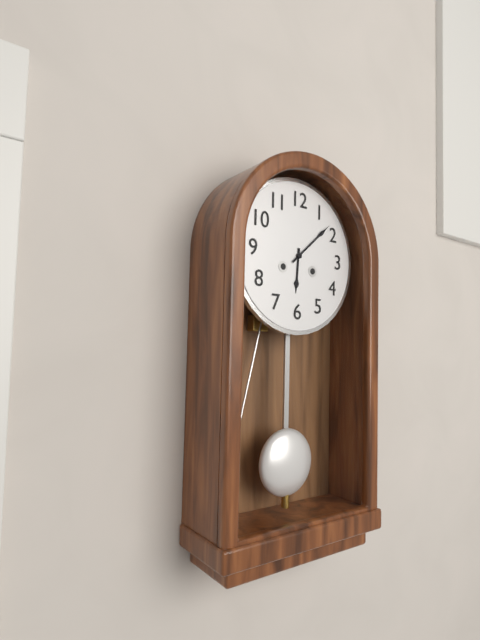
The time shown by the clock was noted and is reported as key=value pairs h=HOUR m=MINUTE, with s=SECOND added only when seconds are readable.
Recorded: h=6 m=8
